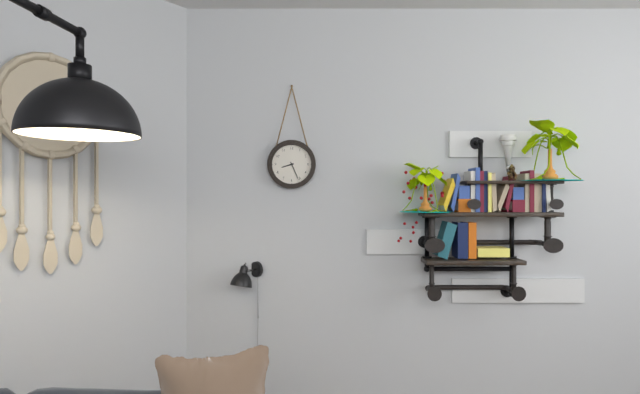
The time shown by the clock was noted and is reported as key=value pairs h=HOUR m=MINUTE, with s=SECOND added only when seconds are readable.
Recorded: h=8 m=26
